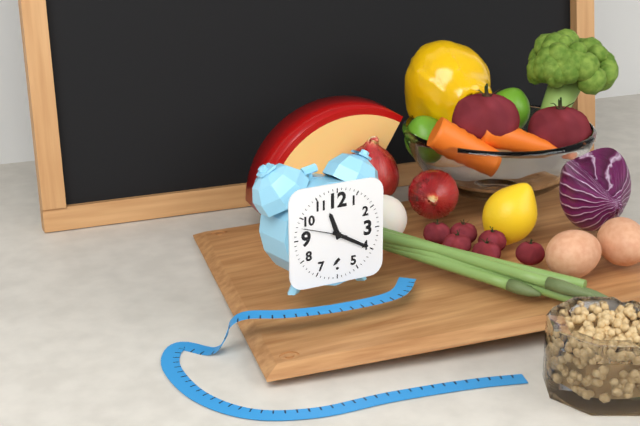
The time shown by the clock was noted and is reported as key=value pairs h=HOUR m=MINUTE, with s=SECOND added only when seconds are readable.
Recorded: h=11 m=20
